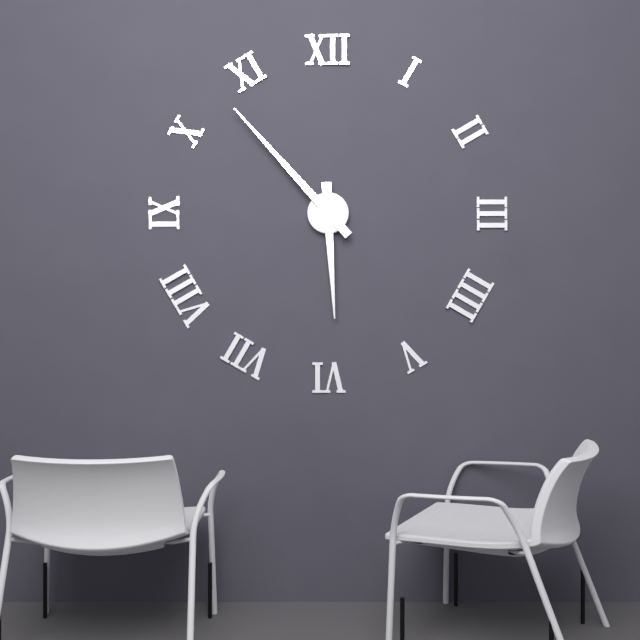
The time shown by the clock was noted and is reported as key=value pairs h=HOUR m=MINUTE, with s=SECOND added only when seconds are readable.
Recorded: h=5 m=53
